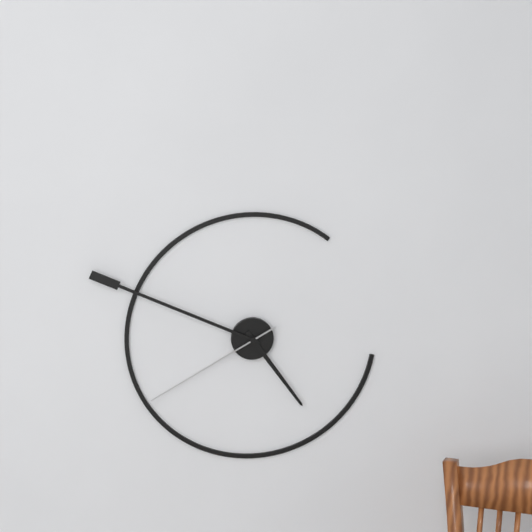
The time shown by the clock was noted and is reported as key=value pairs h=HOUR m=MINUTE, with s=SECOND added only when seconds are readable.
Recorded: h=4 m=49 s=40
